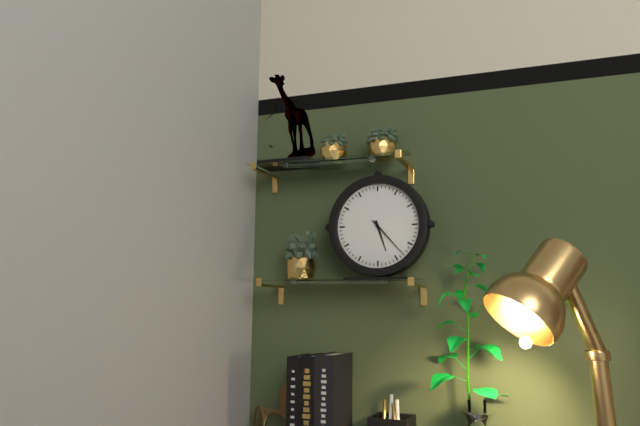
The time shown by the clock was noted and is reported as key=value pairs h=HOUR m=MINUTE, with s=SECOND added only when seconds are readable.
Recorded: h=5 m=23
